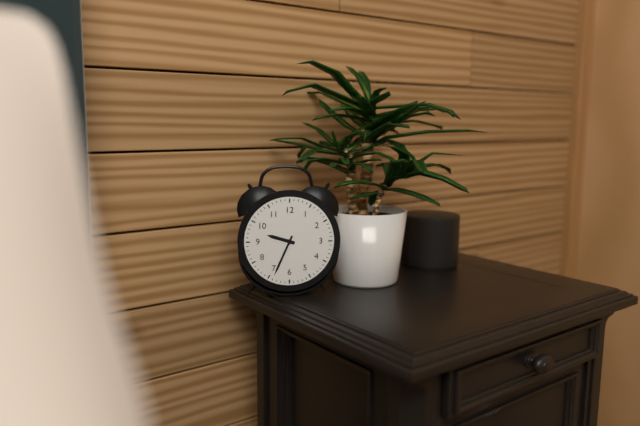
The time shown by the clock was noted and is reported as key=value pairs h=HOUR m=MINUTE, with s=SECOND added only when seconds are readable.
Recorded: h=9 m=34
